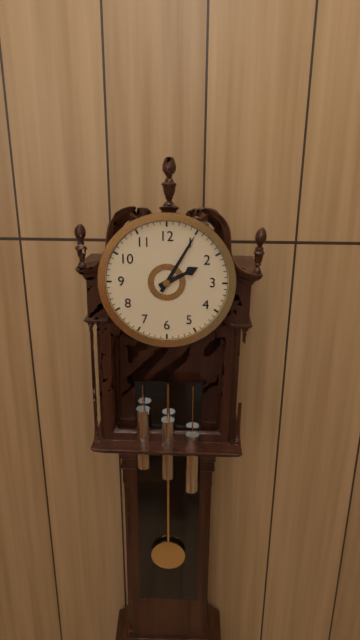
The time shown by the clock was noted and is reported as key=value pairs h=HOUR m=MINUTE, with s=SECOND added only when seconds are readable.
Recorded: h=2 m=5
